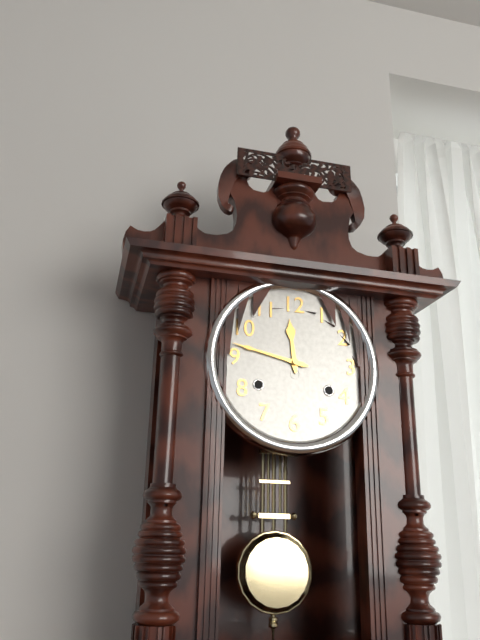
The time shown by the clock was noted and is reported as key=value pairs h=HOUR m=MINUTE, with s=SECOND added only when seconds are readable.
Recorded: h=11 m=47
